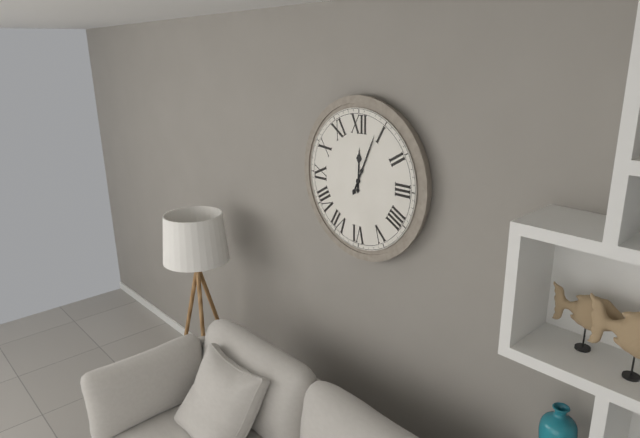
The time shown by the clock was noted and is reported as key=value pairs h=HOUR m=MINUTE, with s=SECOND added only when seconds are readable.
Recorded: h=12 m=4
